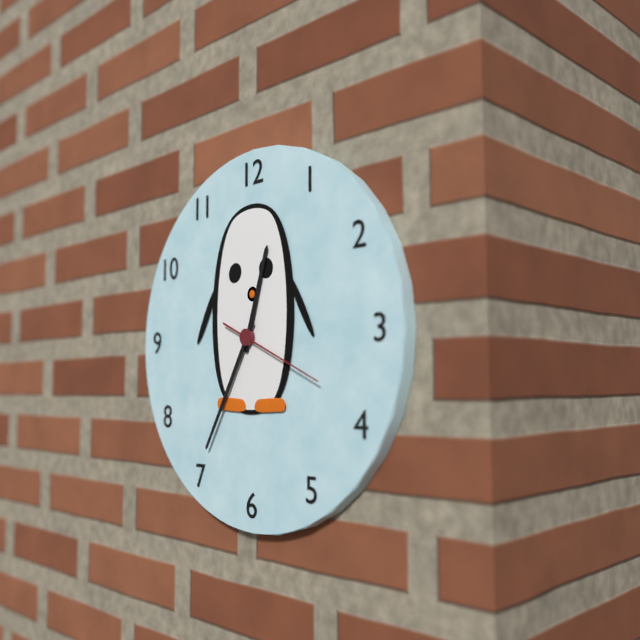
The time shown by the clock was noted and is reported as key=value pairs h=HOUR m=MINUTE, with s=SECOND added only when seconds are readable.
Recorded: h=12 m=35 s=19
